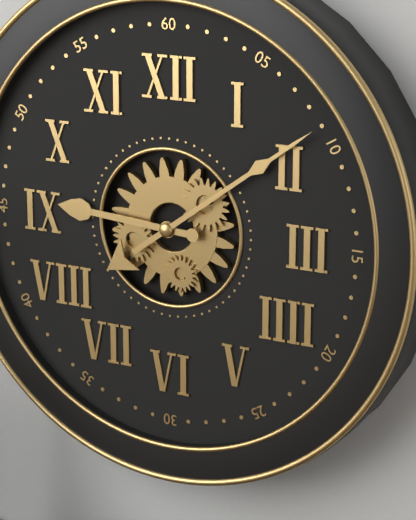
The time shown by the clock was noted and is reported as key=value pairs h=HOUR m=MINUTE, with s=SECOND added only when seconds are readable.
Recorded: h=9 m=9
